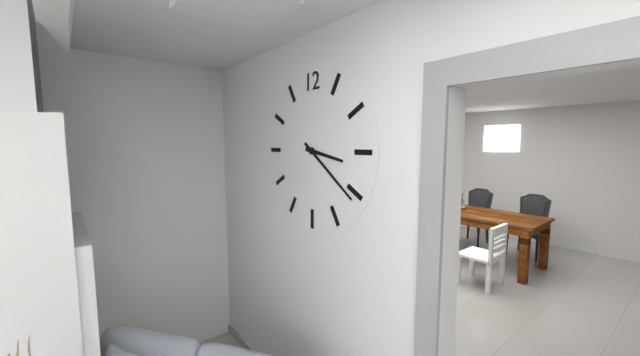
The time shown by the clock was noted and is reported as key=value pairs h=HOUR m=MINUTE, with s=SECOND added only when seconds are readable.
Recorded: h=3 m=21
